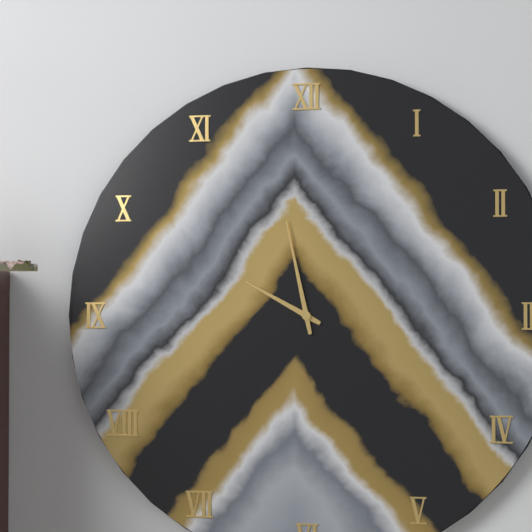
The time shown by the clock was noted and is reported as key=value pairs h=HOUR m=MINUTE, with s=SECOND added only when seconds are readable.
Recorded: h=9 m=58
